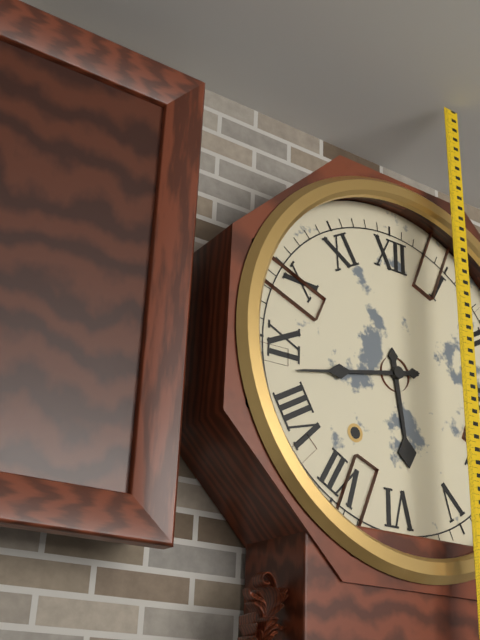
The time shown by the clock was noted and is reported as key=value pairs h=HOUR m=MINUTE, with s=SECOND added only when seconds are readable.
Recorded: h=5 m=43
